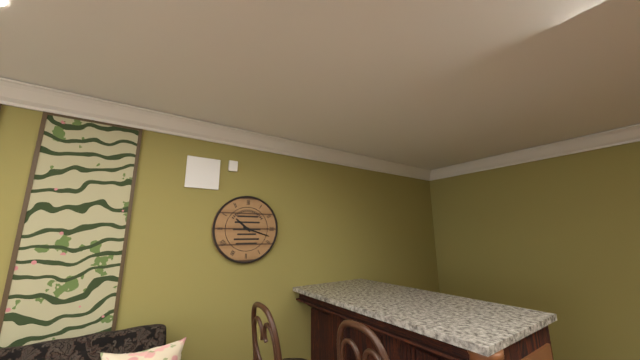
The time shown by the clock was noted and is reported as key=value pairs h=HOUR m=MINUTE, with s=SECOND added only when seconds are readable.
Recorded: h=10 m=18
